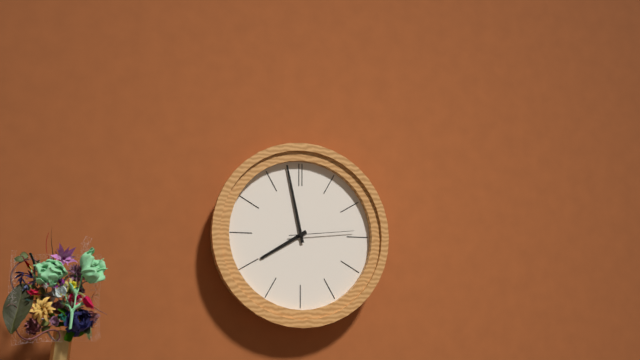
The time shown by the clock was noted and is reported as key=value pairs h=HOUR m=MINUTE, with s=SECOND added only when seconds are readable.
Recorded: h=7 m=58 s=14
